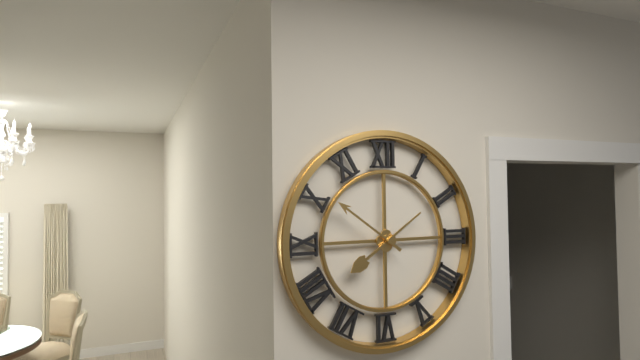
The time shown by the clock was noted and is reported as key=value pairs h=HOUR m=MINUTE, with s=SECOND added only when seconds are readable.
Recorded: h=7 m=51
